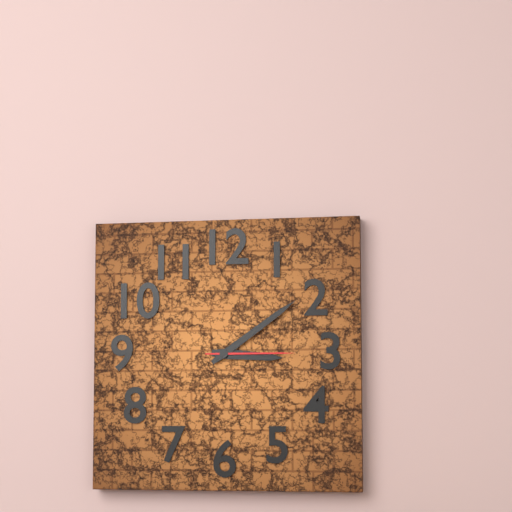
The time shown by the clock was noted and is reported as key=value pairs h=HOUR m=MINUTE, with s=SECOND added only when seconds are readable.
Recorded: h=3 m=9 s=15
